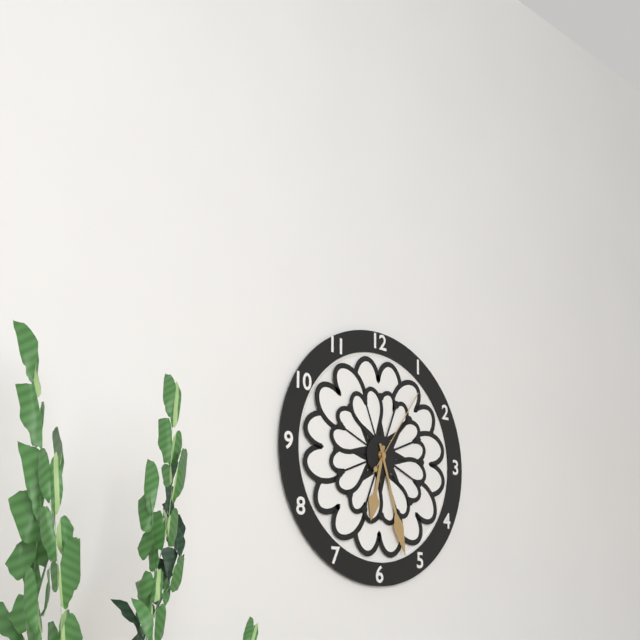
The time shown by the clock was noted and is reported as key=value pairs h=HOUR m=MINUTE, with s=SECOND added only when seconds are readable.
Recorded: h=6 m=27 s=6
